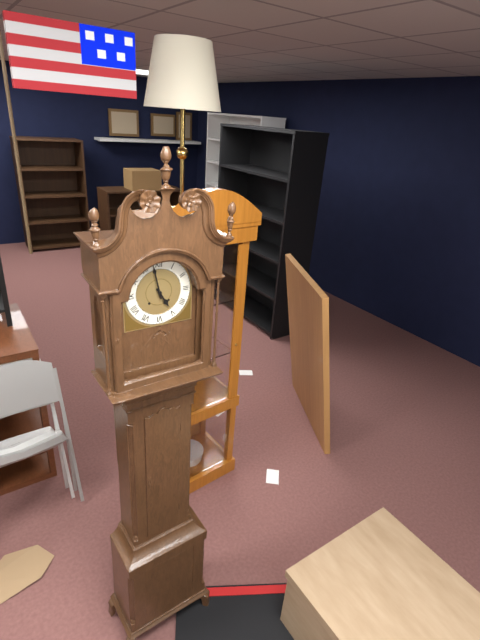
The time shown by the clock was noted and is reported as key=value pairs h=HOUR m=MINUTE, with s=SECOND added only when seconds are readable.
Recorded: h=4 m=58
